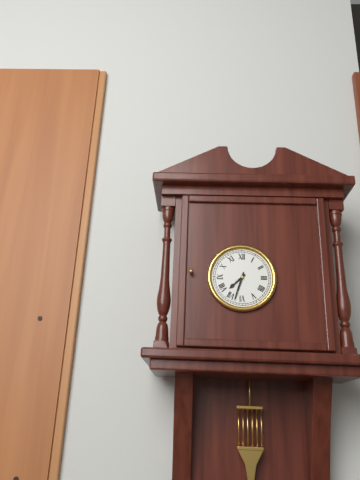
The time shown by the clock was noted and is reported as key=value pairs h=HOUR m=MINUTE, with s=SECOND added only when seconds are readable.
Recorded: h=7 m=33
